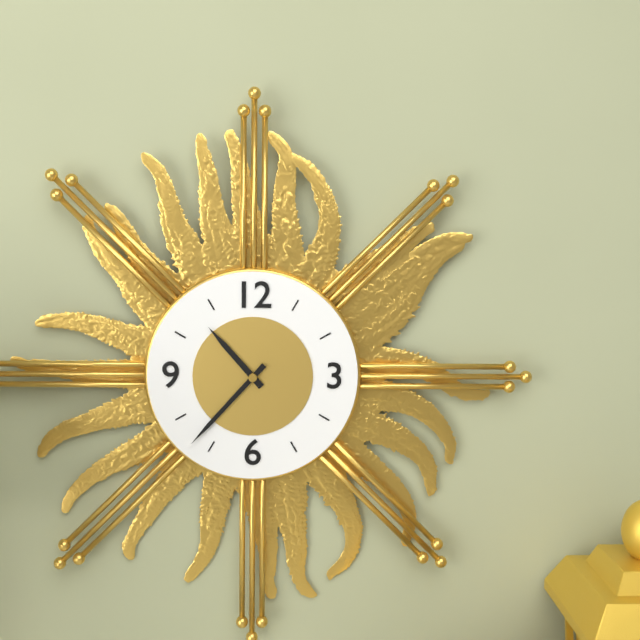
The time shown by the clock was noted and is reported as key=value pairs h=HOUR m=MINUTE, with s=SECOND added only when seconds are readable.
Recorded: h=10 m=37
